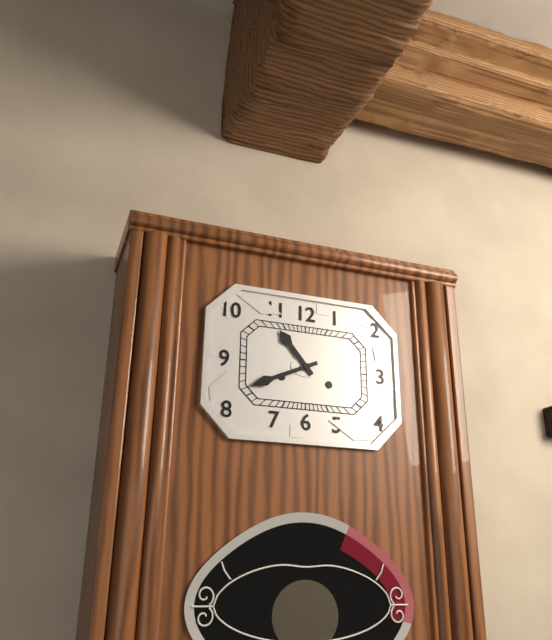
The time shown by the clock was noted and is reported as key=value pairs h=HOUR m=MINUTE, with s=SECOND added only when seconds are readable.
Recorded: h=10 m=41
